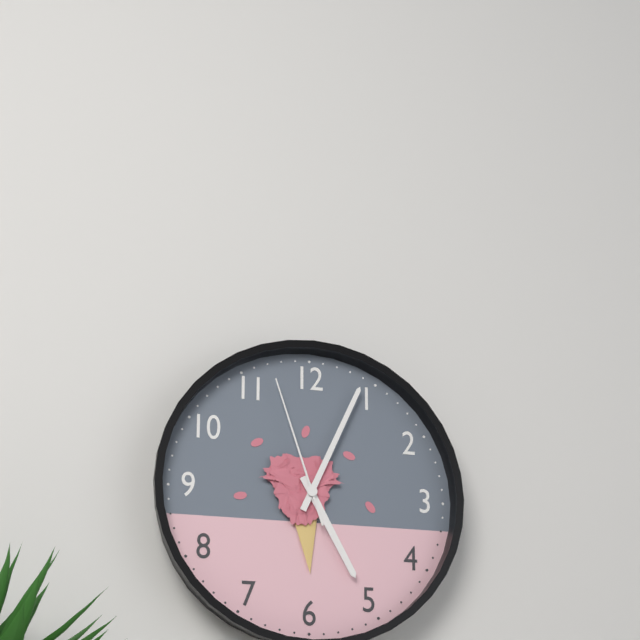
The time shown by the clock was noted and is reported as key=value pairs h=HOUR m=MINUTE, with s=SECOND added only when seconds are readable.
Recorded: h=5 m=4 s=57
